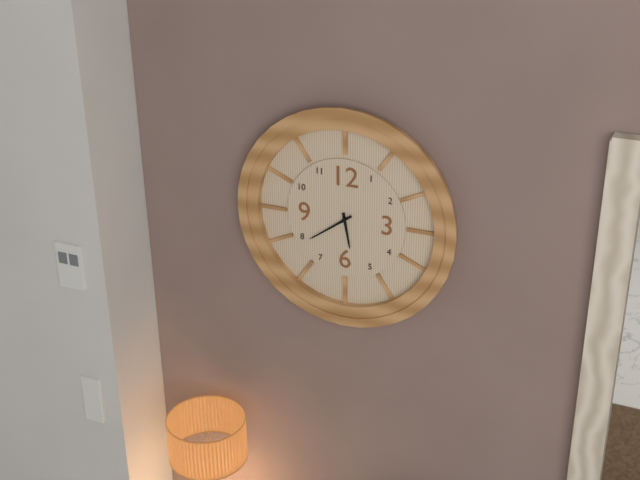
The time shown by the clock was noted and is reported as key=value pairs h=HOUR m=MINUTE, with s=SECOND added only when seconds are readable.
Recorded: h=5 m=39
